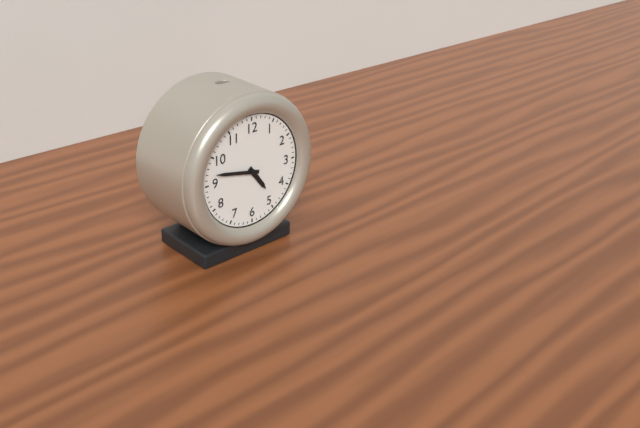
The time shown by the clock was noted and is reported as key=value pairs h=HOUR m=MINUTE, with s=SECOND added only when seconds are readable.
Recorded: h=4 m=47
